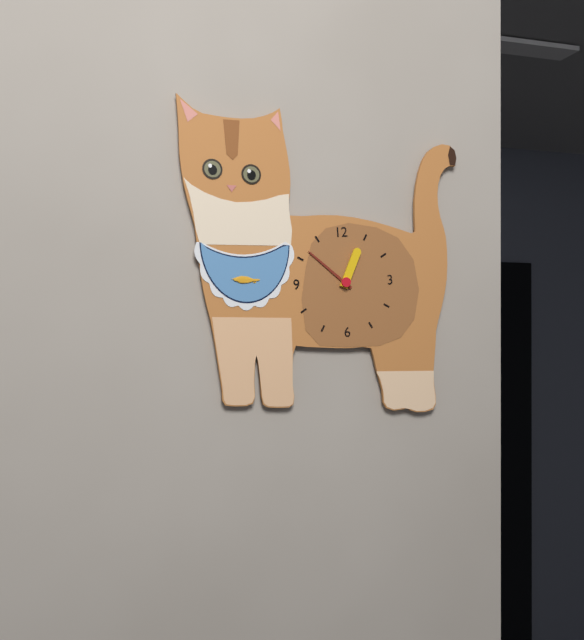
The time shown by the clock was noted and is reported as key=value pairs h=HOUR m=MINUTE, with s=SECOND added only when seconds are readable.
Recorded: h=12 m=52
